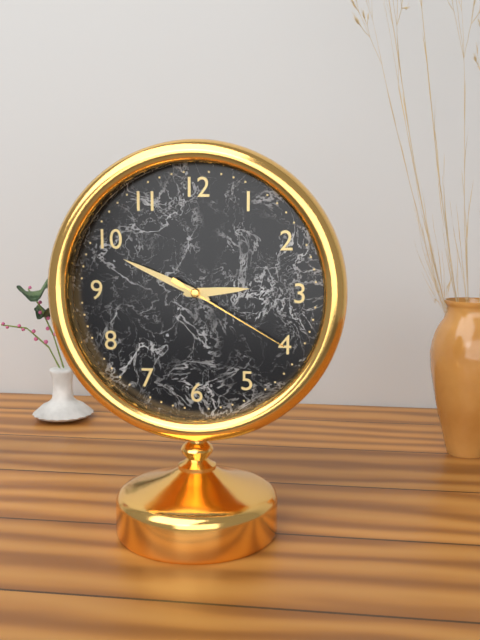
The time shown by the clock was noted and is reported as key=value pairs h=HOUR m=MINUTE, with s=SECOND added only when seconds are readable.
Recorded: h=2 m=49 s=20
